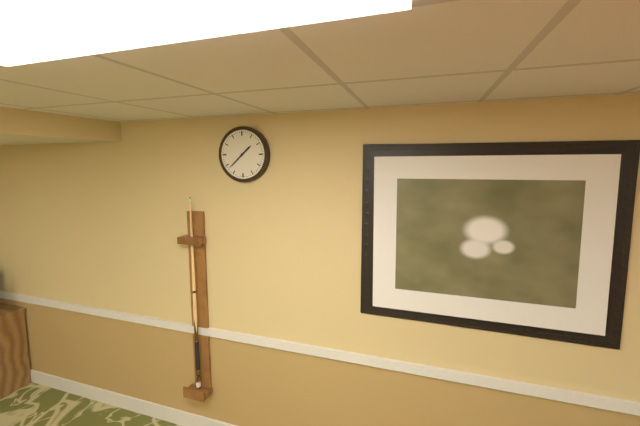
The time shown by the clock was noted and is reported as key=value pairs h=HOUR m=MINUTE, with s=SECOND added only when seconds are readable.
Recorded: h=1 m=38
